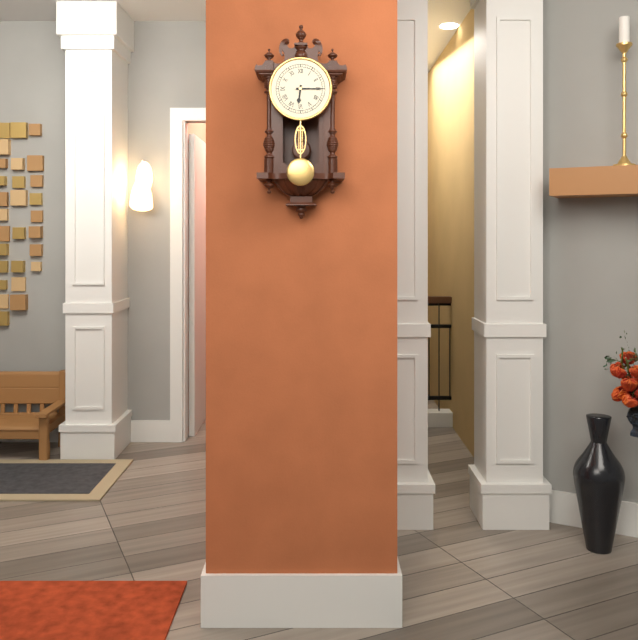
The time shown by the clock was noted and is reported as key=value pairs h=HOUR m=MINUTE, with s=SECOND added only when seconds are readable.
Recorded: h=6 m=15
